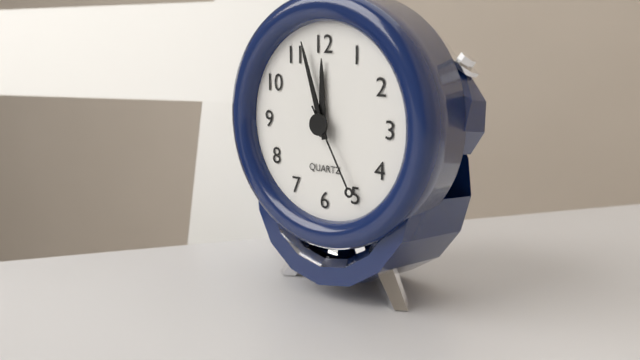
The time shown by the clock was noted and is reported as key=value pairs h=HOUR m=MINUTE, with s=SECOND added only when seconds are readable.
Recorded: h=11 m=57 s=25
